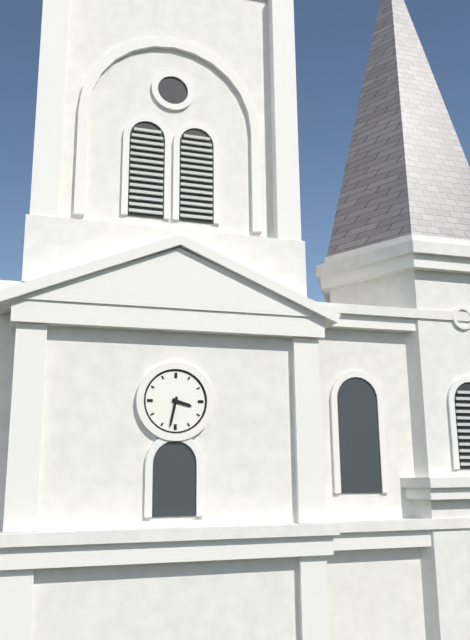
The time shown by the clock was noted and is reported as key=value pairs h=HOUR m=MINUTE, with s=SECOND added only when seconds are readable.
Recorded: h=3 m=32
